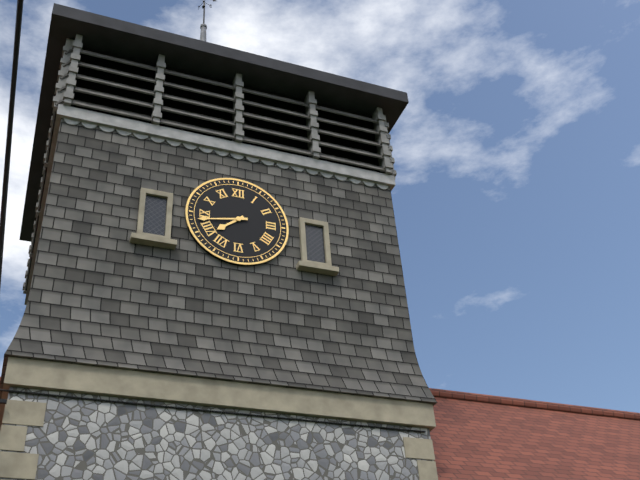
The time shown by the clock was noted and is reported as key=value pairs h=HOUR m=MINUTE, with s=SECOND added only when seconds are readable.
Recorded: h=7 m=43
